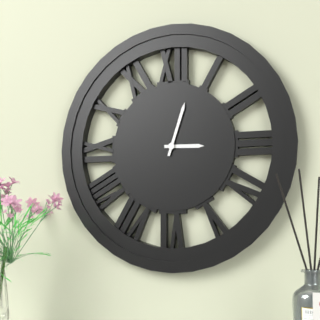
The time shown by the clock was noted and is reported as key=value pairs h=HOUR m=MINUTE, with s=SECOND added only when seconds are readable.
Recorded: h=3 m=3
